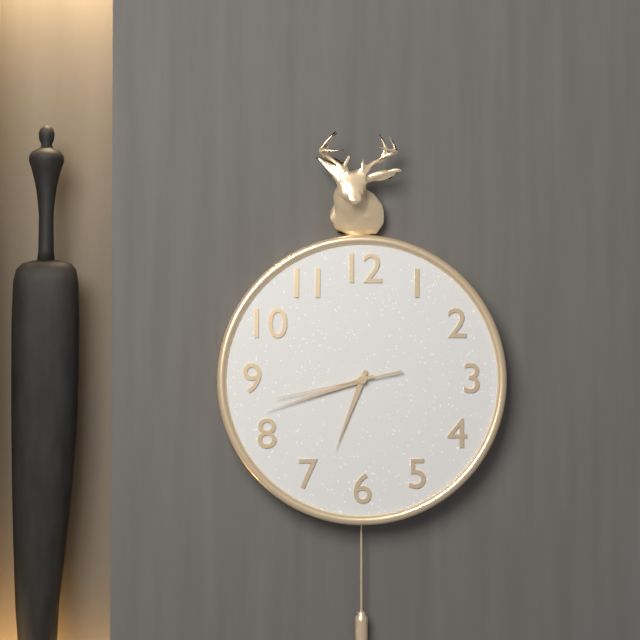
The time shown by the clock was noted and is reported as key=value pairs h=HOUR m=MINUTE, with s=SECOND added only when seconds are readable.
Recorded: h=6 m=42 s=43
